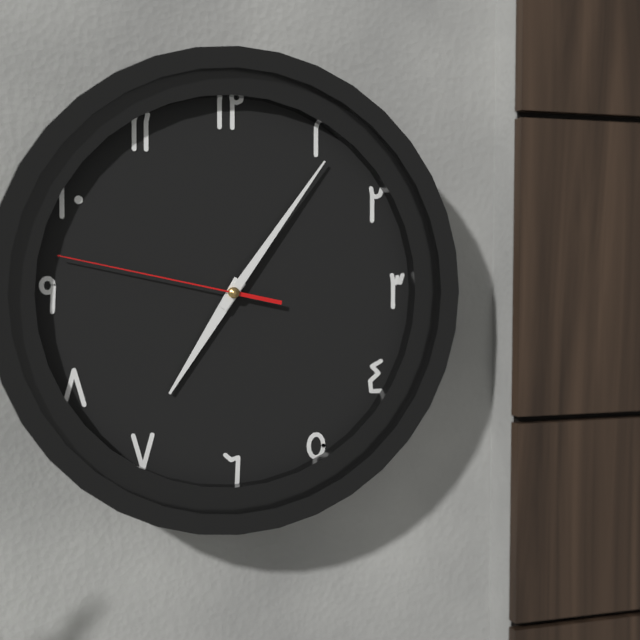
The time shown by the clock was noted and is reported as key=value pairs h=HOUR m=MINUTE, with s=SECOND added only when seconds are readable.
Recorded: h=7 m=6 s=47
